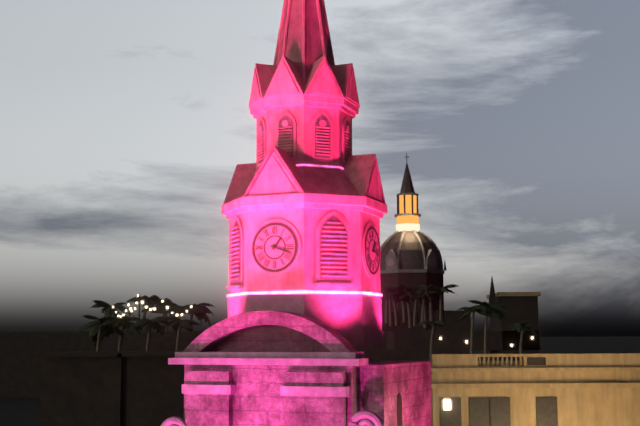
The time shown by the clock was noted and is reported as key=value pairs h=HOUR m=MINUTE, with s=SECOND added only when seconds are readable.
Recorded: h=1 m=18
